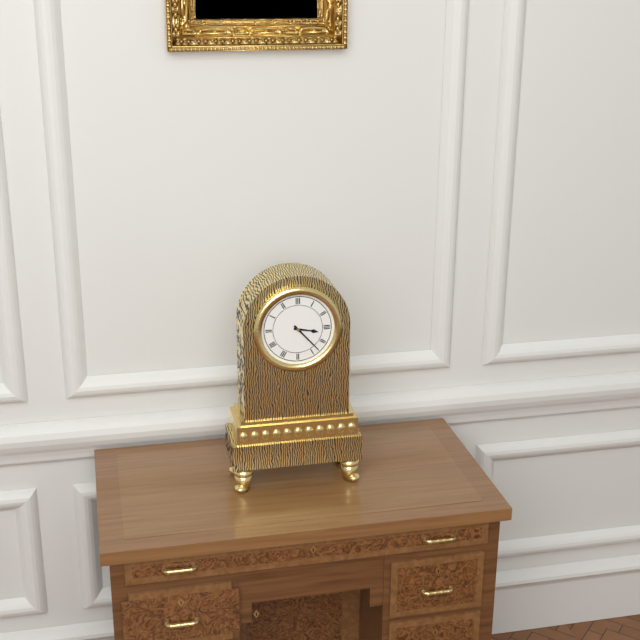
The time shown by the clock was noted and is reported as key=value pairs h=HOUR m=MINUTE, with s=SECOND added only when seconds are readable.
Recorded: h=3 m=23
